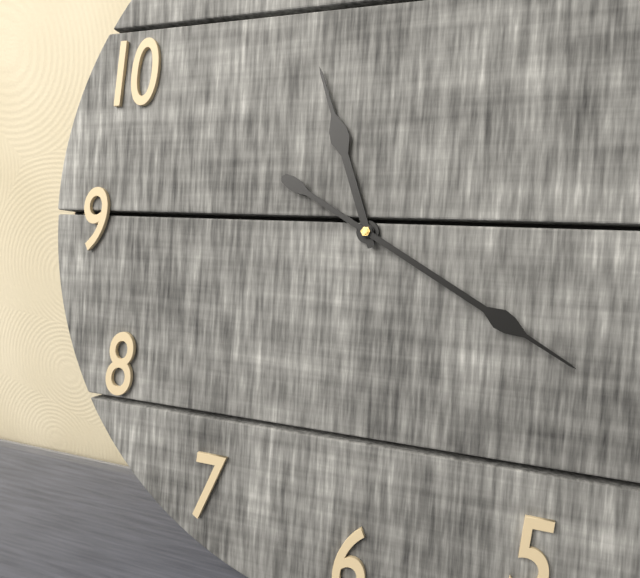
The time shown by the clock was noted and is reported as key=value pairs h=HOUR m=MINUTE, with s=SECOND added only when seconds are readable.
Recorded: h=11 m=20
